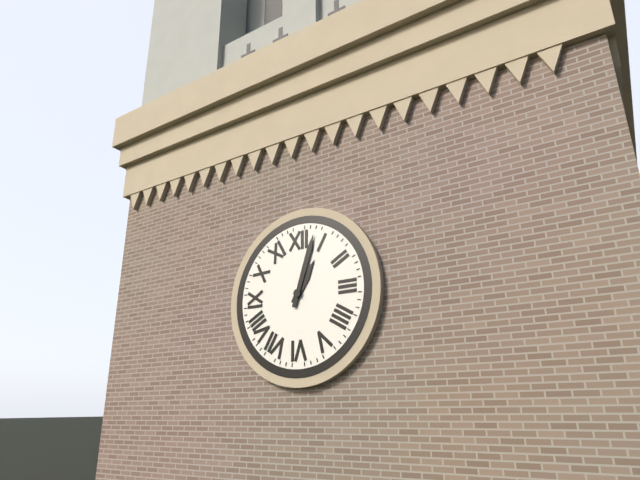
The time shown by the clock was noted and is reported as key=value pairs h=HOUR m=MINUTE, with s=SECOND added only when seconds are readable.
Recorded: h=1 m=3
